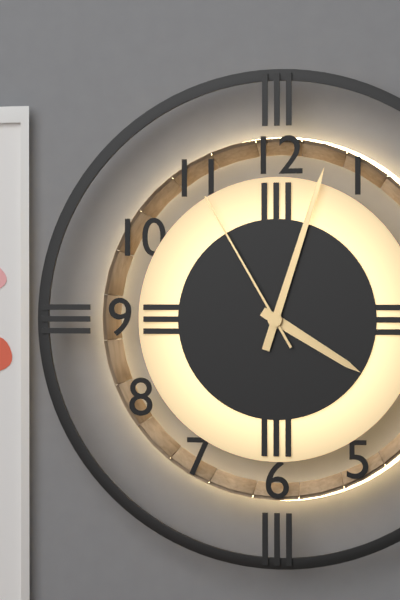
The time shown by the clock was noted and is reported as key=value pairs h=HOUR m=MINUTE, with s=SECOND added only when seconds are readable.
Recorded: h=4 m=3 s=55
